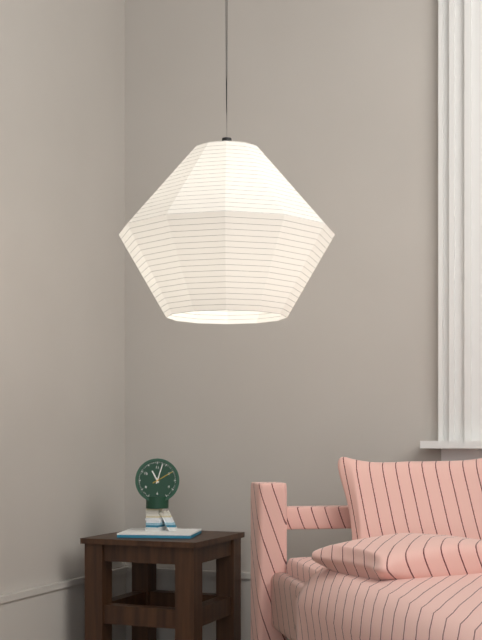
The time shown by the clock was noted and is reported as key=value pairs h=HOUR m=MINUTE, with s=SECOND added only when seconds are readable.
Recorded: h=11 m=3
